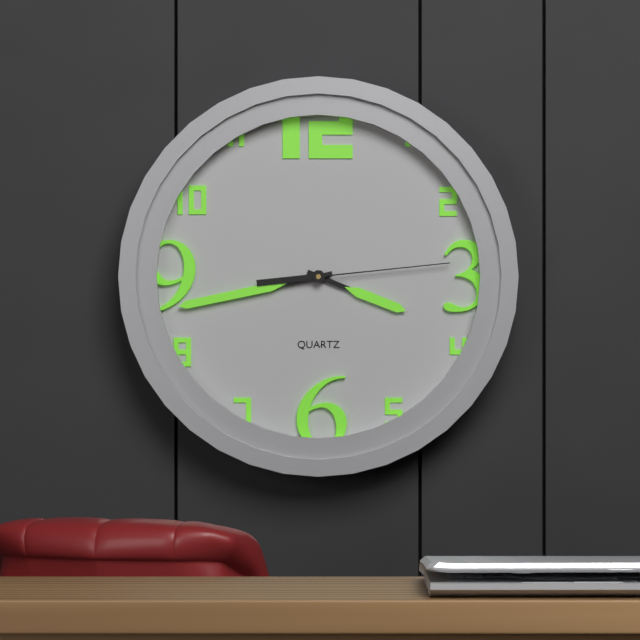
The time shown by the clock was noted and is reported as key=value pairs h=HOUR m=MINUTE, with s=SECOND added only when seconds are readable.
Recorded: h=3 m=43 s=14
